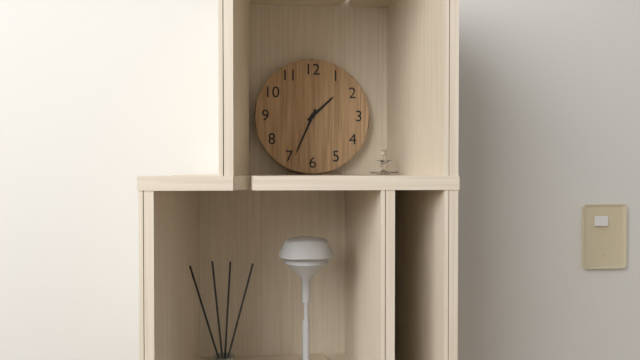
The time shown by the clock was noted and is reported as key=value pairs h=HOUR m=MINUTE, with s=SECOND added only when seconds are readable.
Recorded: h=1 m=34
